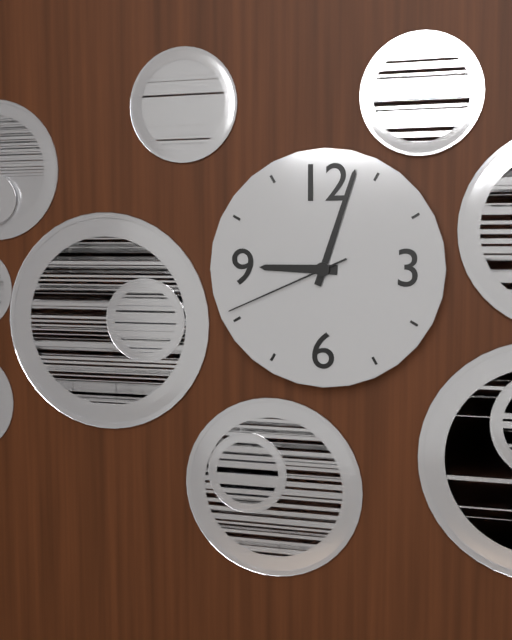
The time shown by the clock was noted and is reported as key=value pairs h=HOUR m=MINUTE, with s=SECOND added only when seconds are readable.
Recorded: h=9 m=3 s=41
